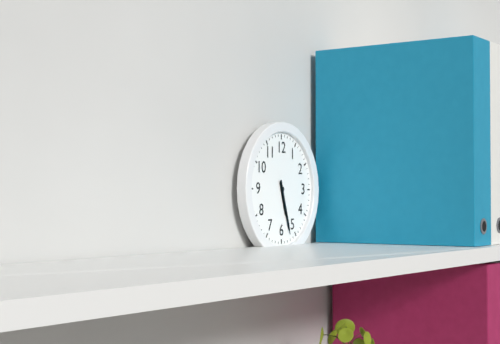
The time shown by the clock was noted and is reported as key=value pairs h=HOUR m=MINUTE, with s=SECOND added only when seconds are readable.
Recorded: h=5 m=27
